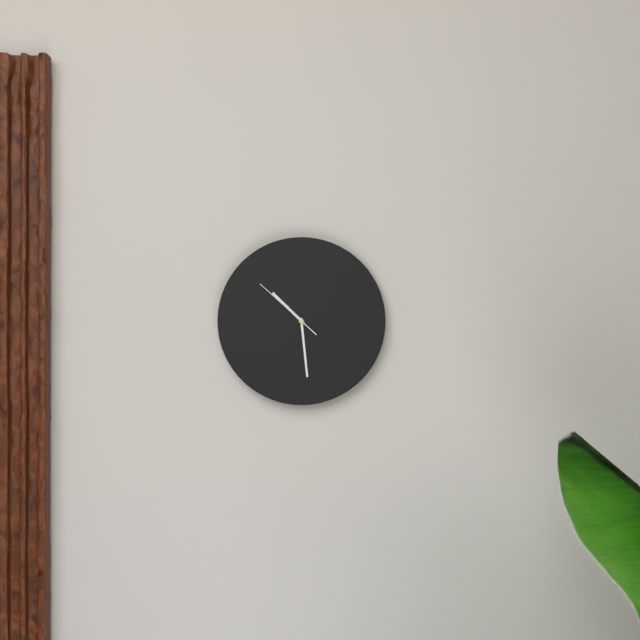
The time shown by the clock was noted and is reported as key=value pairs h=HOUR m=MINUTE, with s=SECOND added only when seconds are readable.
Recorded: h=10 m=29 s=52
